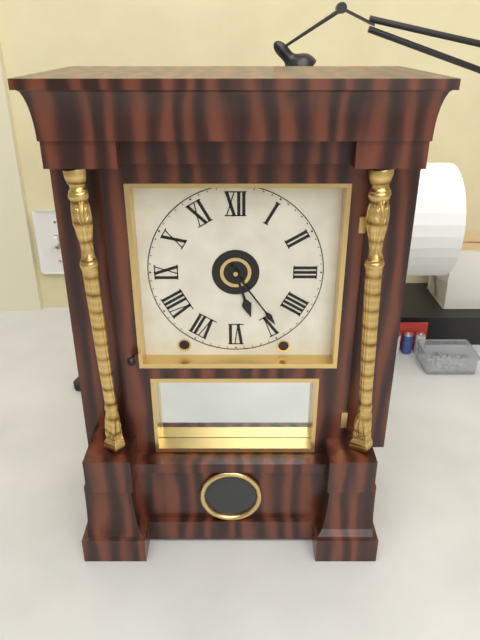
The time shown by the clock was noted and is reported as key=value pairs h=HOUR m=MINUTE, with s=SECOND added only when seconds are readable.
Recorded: h=5 m=24
